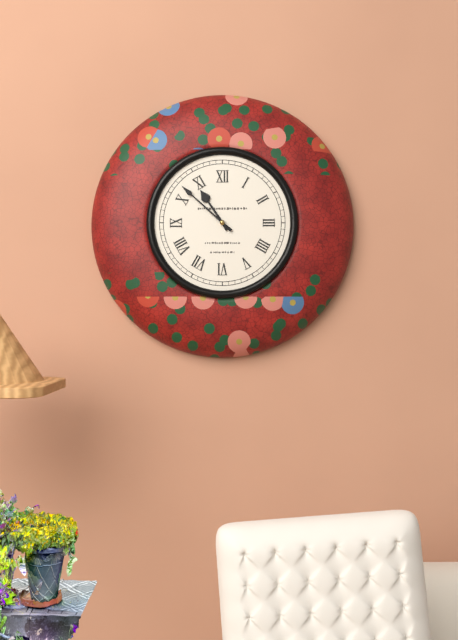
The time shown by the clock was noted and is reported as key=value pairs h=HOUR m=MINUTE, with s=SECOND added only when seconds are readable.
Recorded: h=10 m=52
